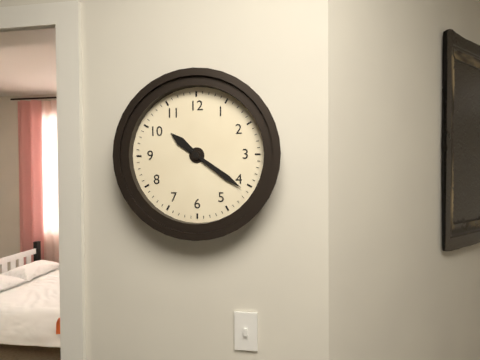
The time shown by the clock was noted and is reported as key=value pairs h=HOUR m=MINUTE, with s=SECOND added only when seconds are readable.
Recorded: h=10 m=21
